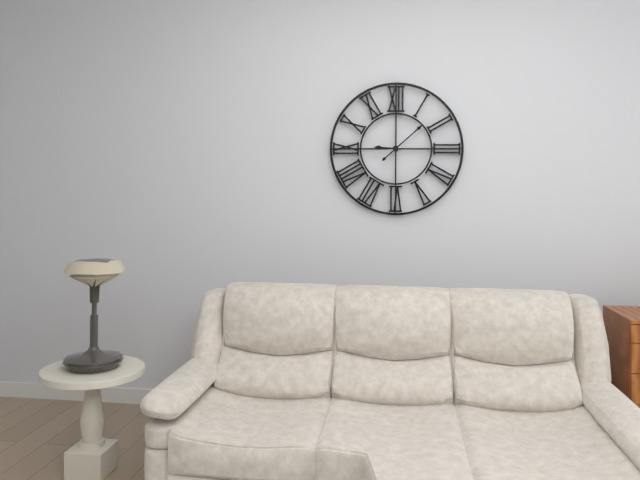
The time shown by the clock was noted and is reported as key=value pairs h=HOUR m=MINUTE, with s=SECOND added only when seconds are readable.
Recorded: h=9 m=8
